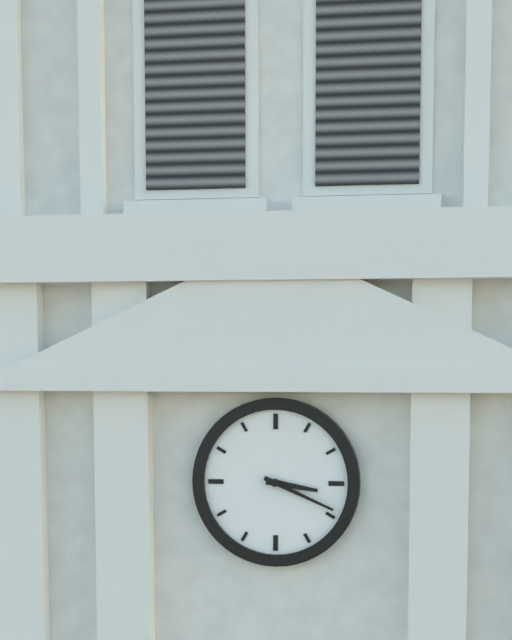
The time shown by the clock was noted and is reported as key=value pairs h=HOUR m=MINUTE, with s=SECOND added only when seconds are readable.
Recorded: h=3 m=19
